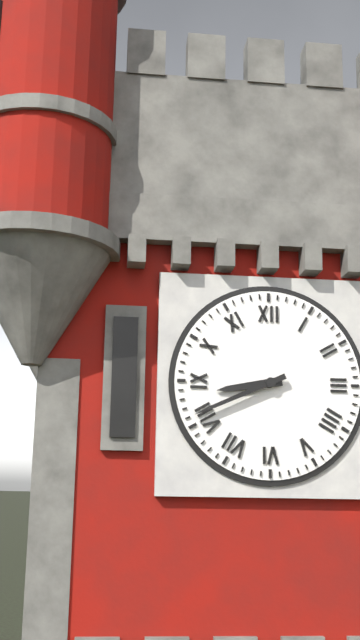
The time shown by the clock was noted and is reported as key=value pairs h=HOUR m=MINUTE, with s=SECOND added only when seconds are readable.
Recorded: h=8 m=41
